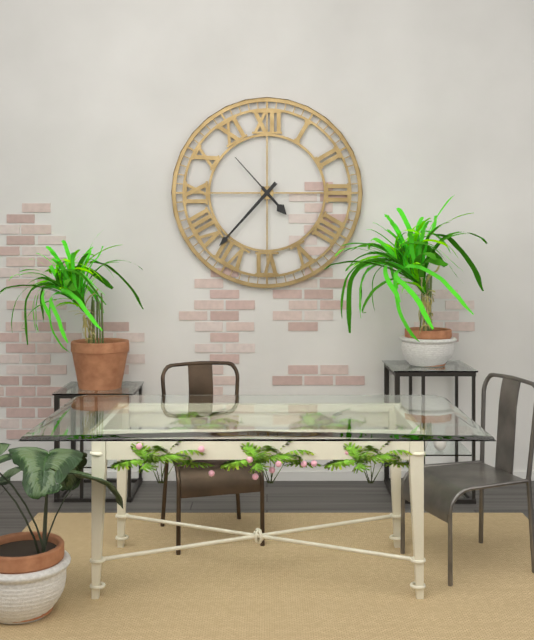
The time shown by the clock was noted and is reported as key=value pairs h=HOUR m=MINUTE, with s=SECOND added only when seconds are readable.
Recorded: h=4 m=37 s=53
